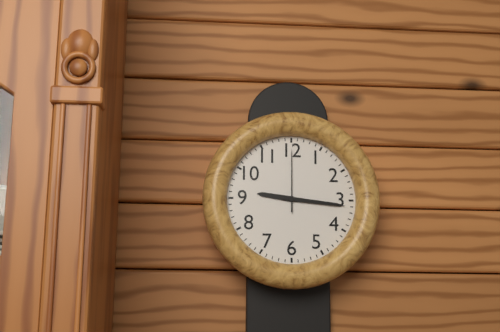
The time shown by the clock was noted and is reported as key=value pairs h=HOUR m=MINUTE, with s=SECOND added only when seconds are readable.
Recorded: h=9 m=16 s=0
